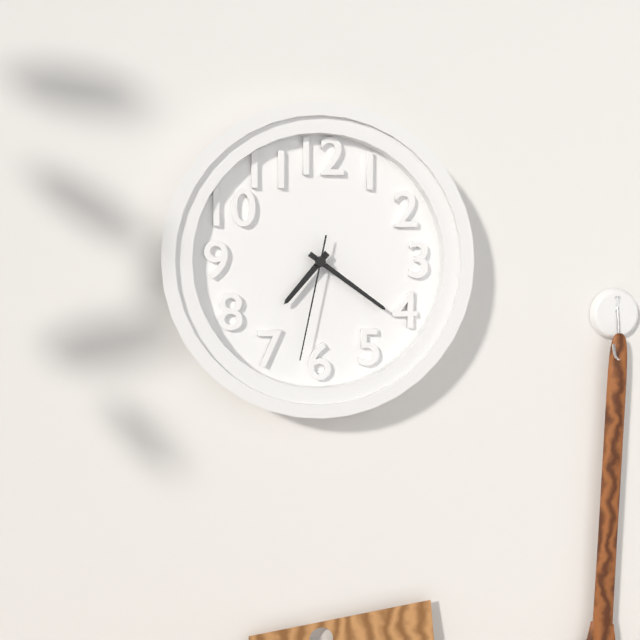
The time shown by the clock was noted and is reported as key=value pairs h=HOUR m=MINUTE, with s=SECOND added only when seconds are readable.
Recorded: h=7 m=21 s=32
